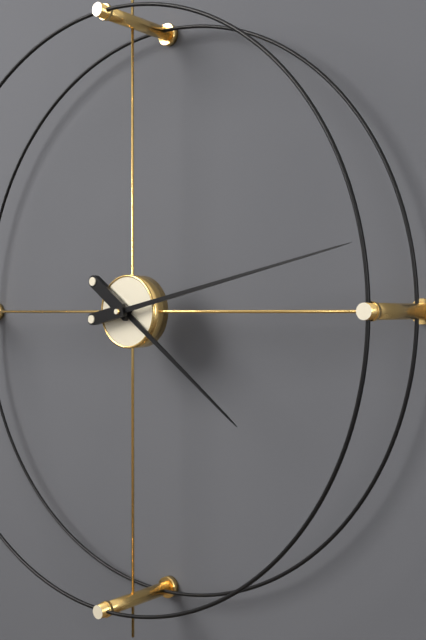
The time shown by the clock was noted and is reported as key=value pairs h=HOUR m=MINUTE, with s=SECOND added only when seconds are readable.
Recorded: h=4 m=13
